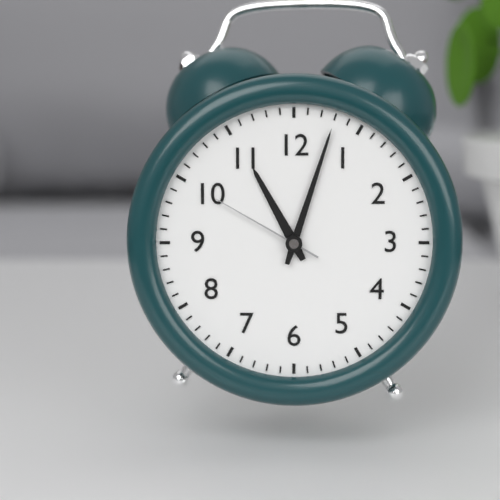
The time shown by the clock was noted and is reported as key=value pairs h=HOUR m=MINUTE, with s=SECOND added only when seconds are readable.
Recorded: h=11 m=3 s=50
